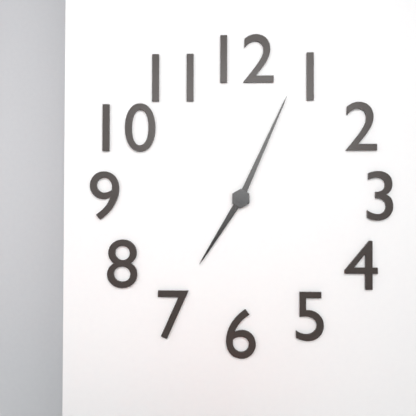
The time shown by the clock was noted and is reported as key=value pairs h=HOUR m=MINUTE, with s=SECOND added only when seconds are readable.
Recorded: h=7 m=4
